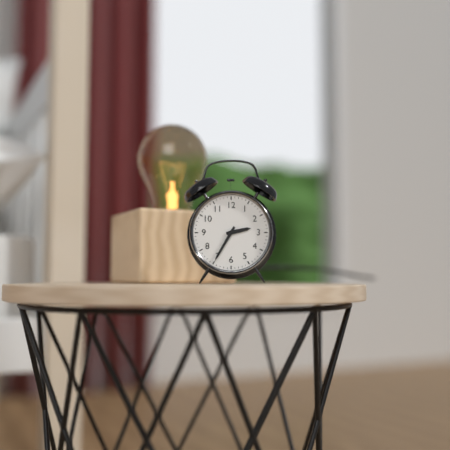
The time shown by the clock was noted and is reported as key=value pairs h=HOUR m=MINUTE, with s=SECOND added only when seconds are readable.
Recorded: h=2 m=35
